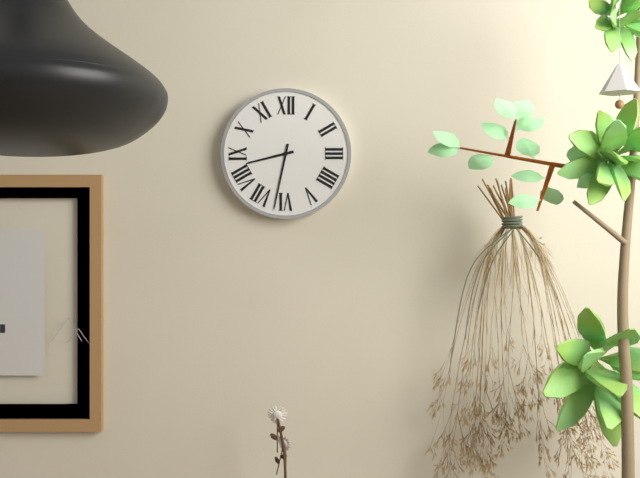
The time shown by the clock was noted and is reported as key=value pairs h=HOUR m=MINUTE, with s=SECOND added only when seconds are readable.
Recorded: h=8 m=32
